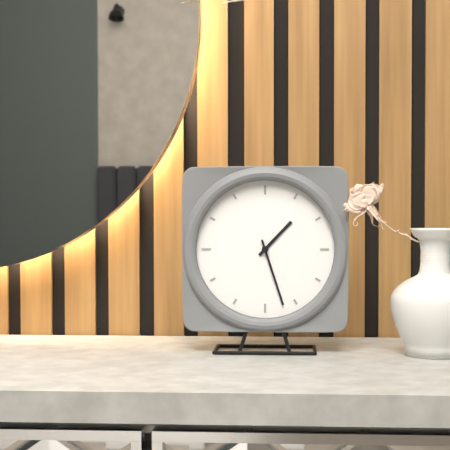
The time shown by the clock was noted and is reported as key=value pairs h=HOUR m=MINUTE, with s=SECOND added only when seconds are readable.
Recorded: h=1 m=27
